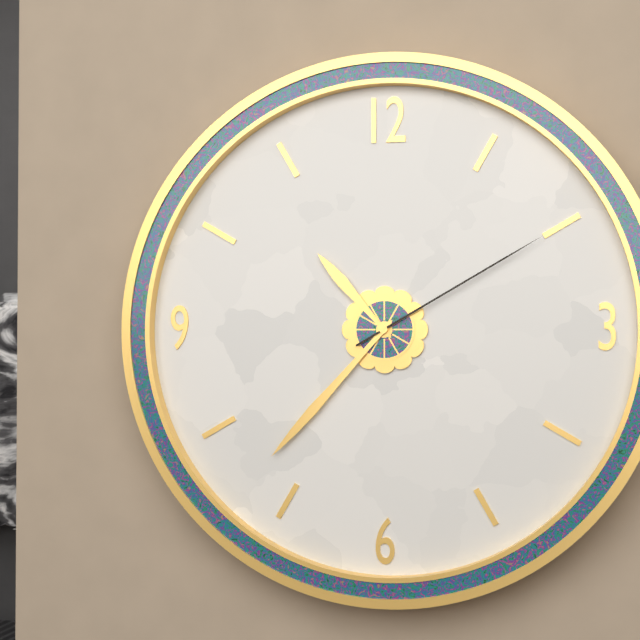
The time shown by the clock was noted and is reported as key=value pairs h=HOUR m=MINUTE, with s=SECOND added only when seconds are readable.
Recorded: h=10 m=37 s=10
